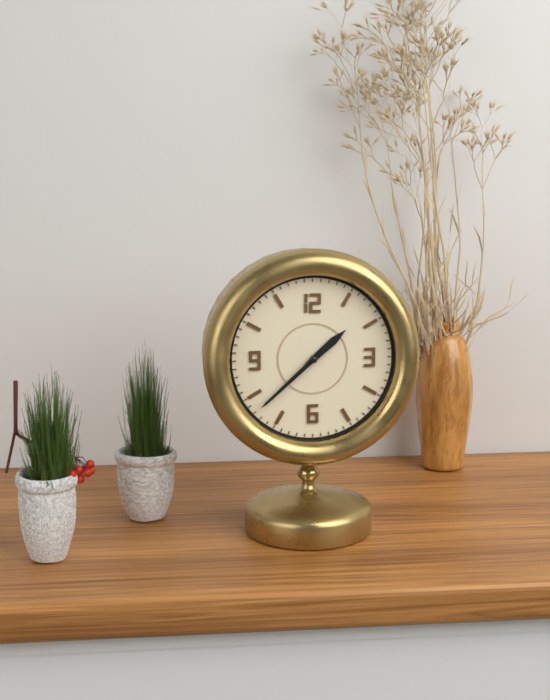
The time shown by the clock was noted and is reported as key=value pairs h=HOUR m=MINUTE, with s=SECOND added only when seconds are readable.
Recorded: h=1 m=38
